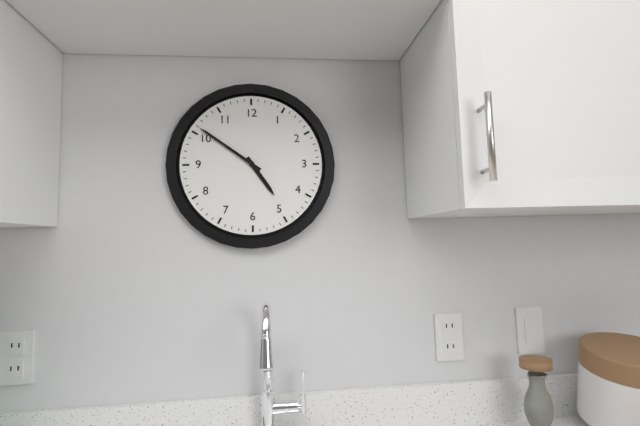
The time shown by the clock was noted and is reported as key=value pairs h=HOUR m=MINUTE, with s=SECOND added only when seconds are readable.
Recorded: h=4 m=51
